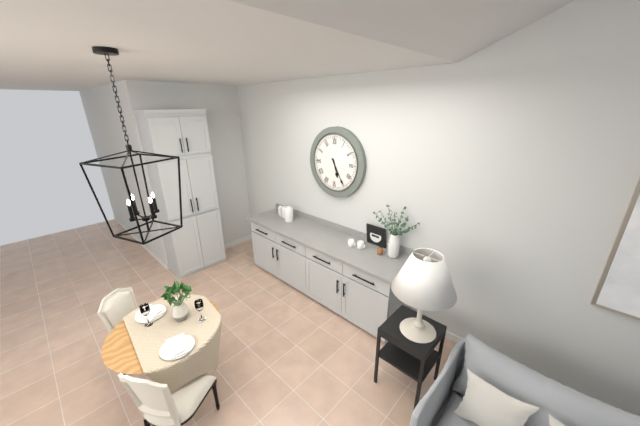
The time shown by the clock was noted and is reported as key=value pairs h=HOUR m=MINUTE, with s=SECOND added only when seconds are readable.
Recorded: h=5 m=25
